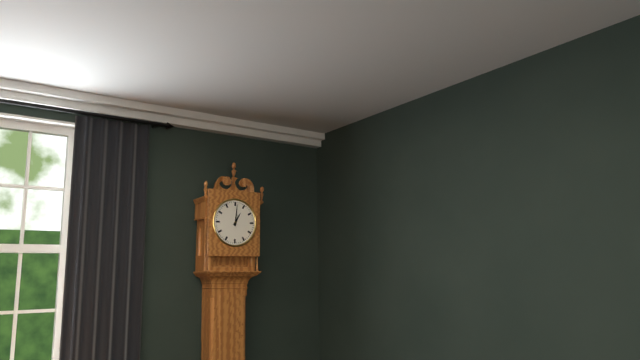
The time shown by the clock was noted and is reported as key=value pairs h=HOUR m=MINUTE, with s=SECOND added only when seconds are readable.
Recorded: h=1 m=1
